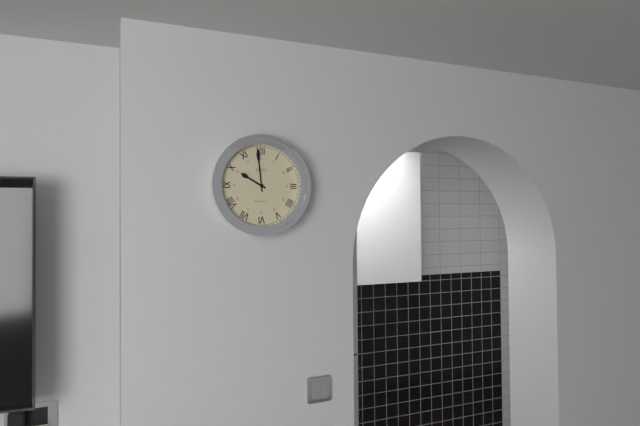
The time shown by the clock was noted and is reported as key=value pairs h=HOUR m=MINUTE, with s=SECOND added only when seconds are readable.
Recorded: h=9 m=59
